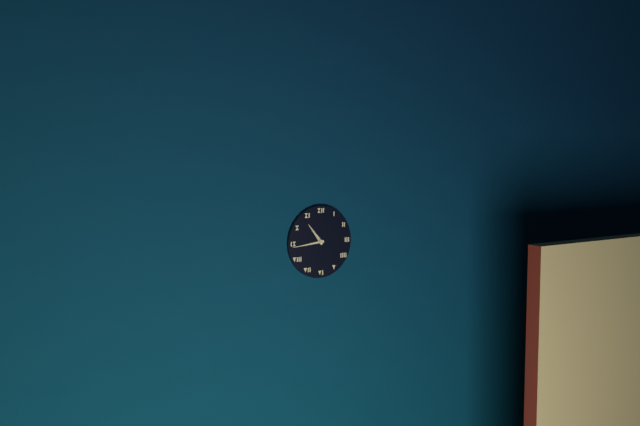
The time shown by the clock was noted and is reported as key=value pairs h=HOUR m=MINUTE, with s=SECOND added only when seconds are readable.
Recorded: h=10 m=44
